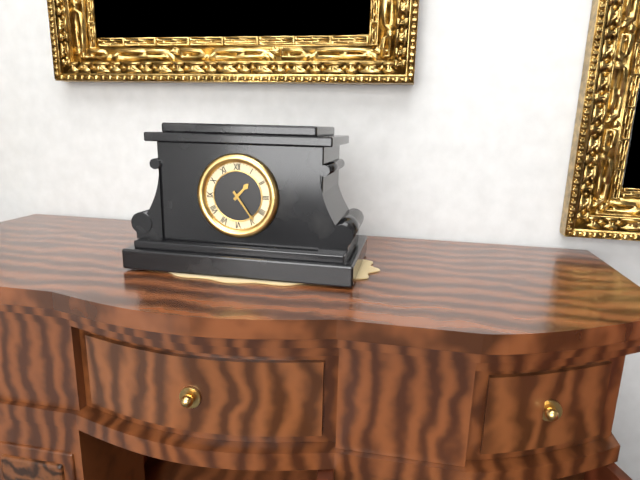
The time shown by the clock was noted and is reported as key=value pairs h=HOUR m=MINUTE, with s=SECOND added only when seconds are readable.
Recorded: h=1 m=24
